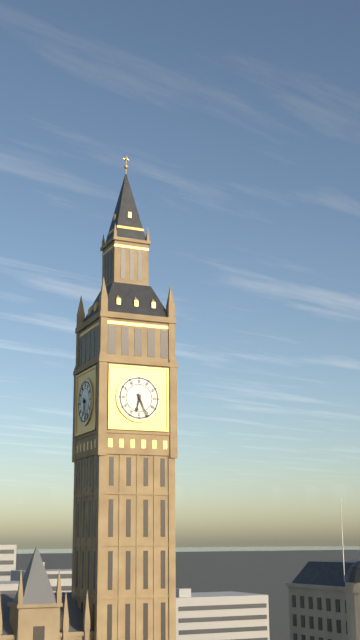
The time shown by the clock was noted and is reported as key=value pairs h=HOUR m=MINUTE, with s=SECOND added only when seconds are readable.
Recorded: h=6 m=26
